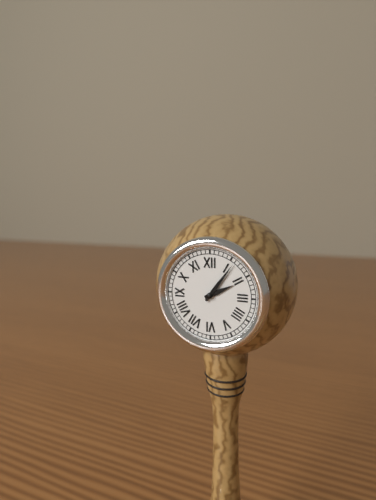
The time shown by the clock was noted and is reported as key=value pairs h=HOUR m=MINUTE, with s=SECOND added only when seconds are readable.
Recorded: h=2 m=6
